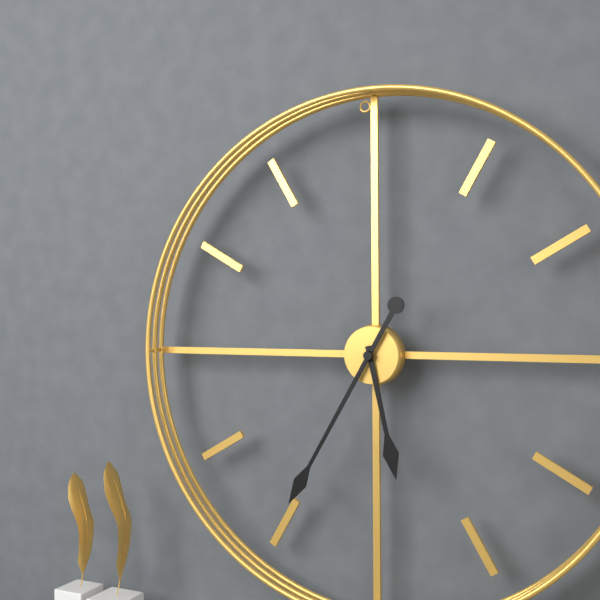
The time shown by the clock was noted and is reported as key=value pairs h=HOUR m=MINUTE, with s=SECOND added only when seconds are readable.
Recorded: h=5 m=35
